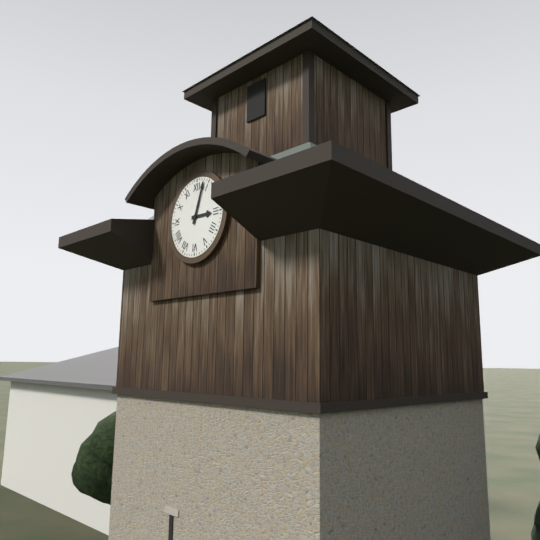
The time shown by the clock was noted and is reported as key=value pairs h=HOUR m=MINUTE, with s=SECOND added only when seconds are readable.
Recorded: h=3 m=3
